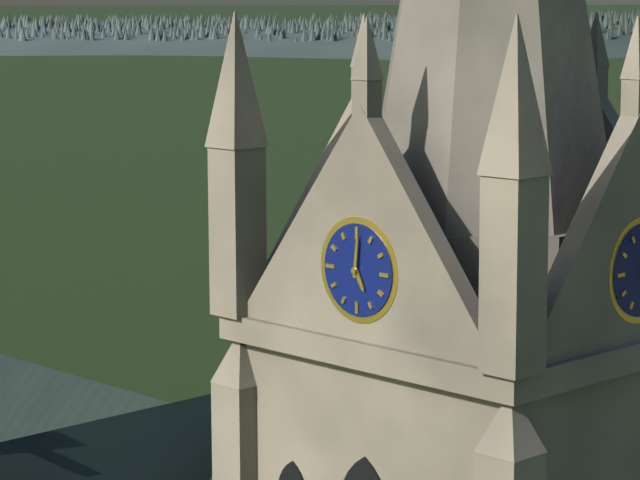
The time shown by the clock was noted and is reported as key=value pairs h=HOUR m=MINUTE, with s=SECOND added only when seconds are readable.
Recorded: h=5 m=1
